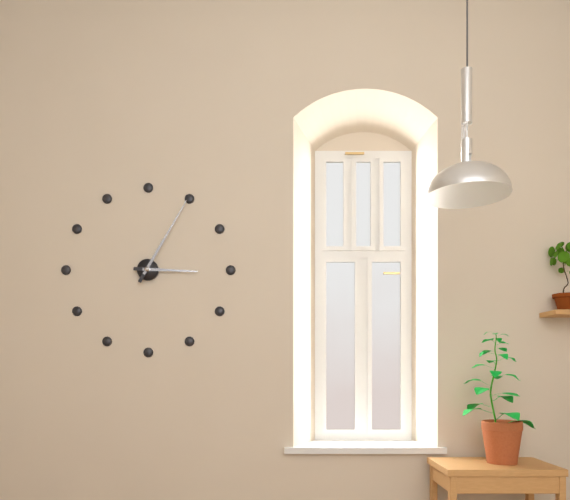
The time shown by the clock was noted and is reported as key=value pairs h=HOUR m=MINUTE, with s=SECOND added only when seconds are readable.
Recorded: h=3 m=5
